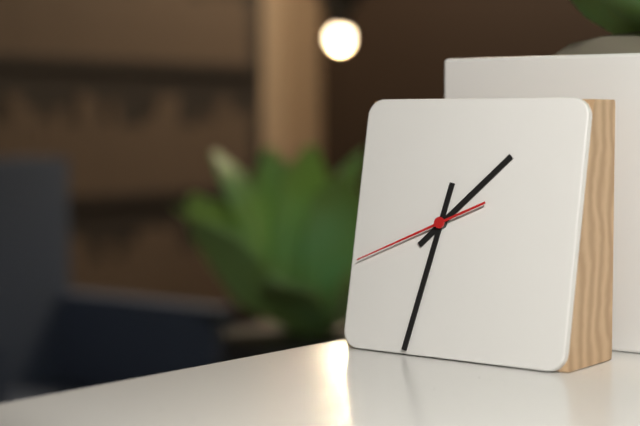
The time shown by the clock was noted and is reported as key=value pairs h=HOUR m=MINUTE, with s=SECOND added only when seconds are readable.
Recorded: h=1 m=32 s=41
